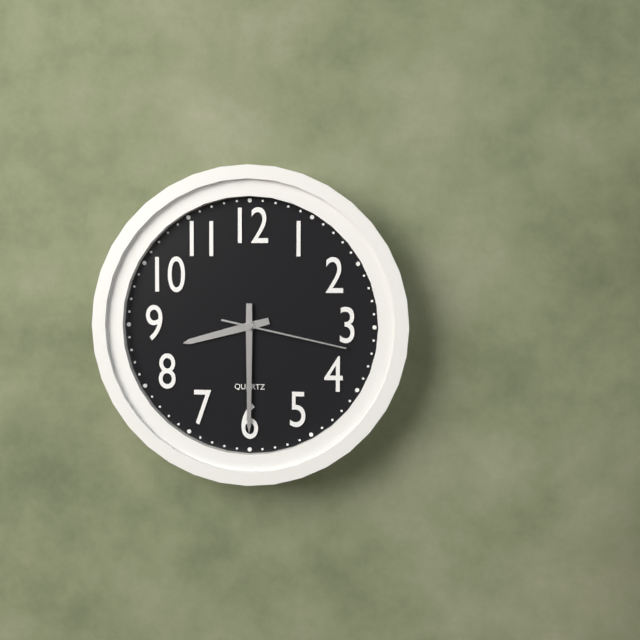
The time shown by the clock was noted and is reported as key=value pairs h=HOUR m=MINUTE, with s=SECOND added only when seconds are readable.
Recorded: h=8 m=30 s=17
